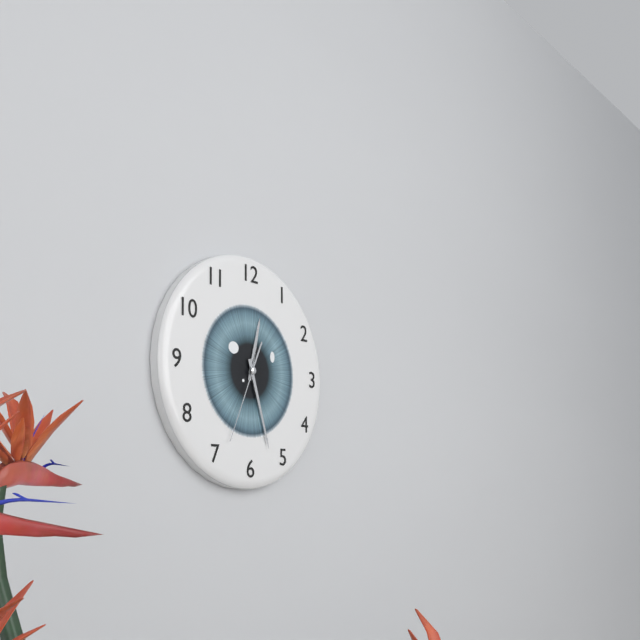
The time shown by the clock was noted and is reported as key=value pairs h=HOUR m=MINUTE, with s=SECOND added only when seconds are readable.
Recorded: h=12 m=27 s=34
